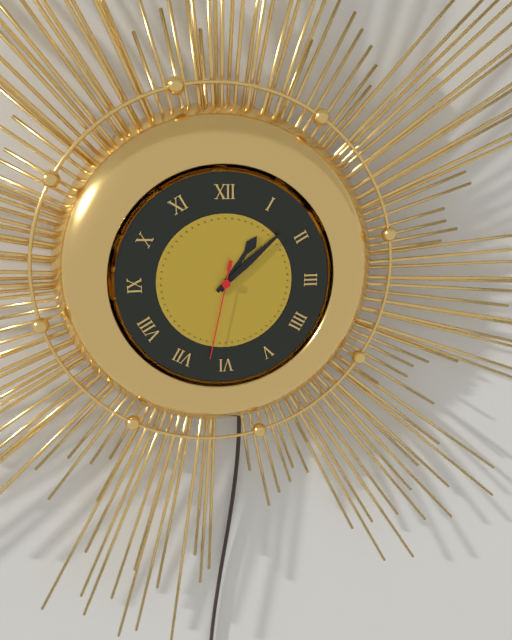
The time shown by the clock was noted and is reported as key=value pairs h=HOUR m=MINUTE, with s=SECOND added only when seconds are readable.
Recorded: h=1 m=8 s=32
